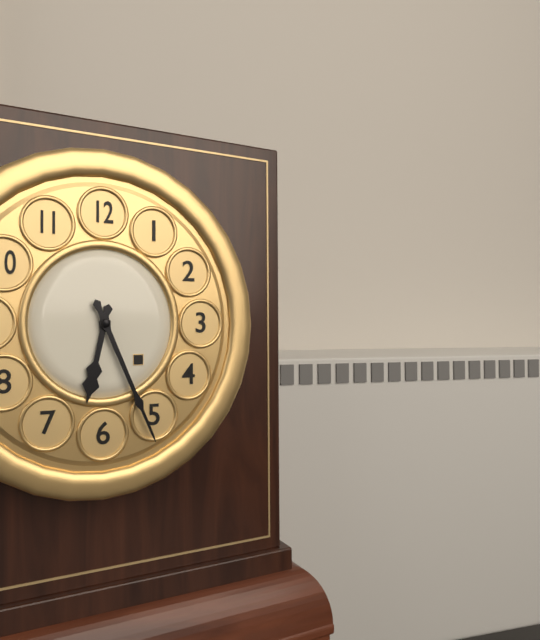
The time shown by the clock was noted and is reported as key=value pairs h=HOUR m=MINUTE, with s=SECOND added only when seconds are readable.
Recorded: h=6 m=26
